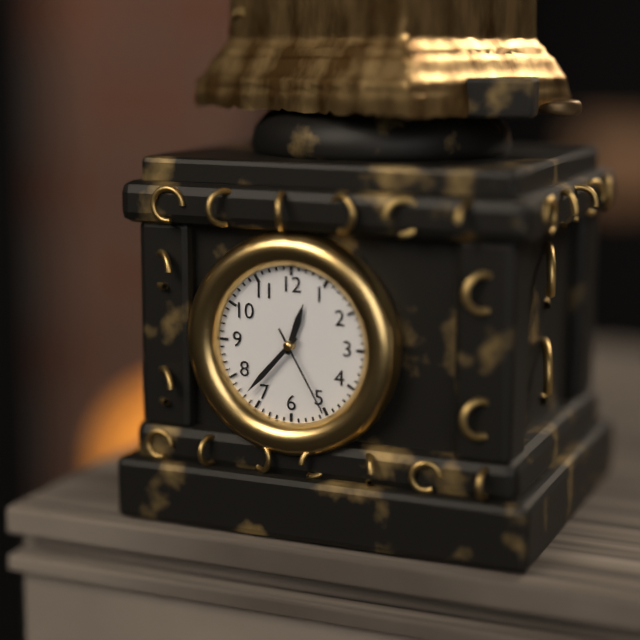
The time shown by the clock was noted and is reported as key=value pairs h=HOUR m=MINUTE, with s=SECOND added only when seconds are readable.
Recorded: h=12 m=37 s=25
